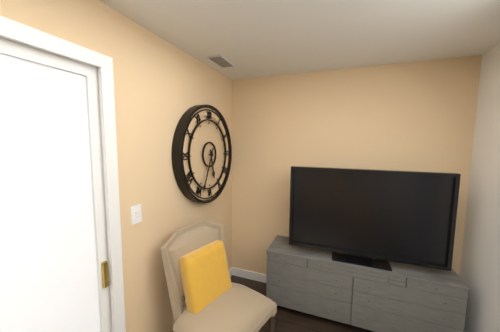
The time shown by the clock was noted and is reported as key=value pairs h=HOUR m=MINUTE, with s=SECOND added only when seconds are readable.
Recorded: h=5 m=34
